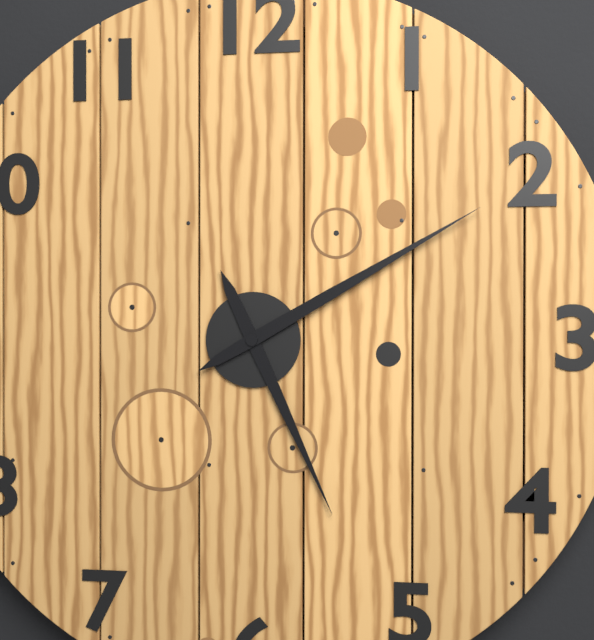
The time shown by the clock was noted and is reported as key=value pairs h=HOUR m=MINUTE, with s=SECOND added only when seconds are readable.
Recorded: h=5 m=10
